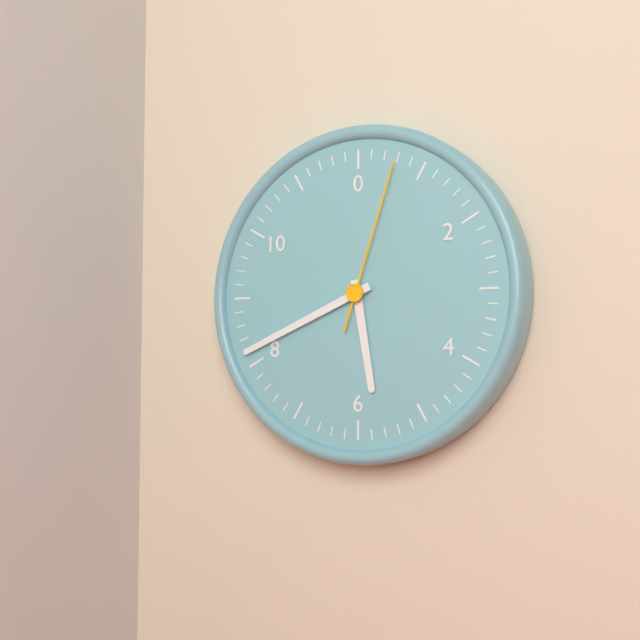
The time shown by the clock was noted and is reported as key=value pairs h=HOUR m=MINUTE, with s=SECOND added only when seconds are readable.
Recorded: h=5 m=41 s=3
